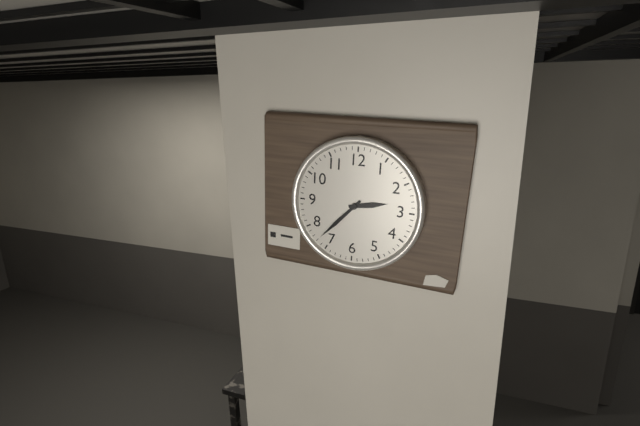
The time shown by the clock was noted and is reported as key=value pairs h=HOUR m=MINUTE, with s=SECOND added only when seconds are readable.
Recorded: h=2 m=37
